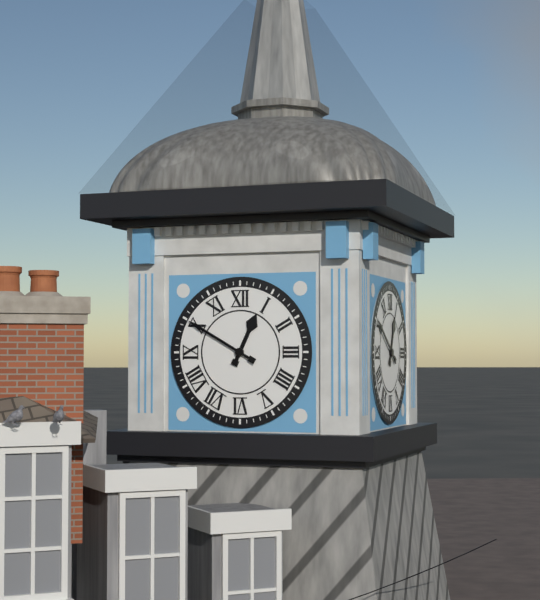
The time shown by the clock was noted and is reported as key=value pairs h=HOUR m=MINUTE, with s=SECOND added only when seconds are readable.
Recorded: h=12 m=50
